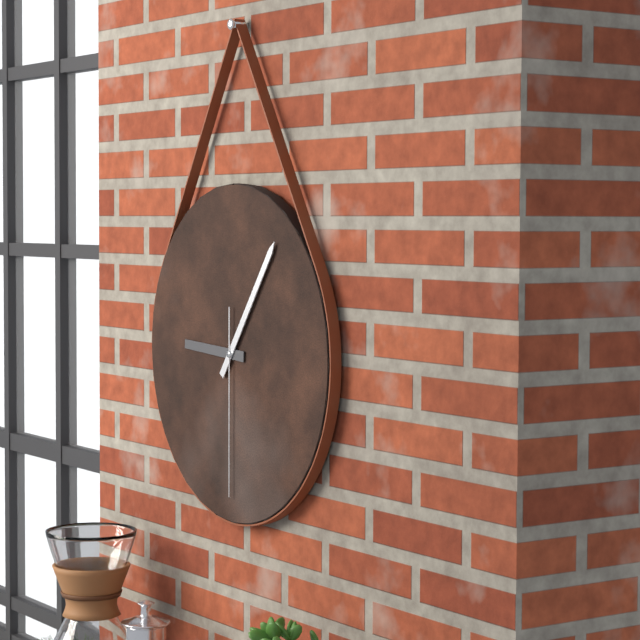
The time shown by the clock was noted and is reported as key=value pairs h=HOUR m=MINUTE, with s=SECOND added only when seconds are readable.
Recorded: h=9 m=6 s=30
